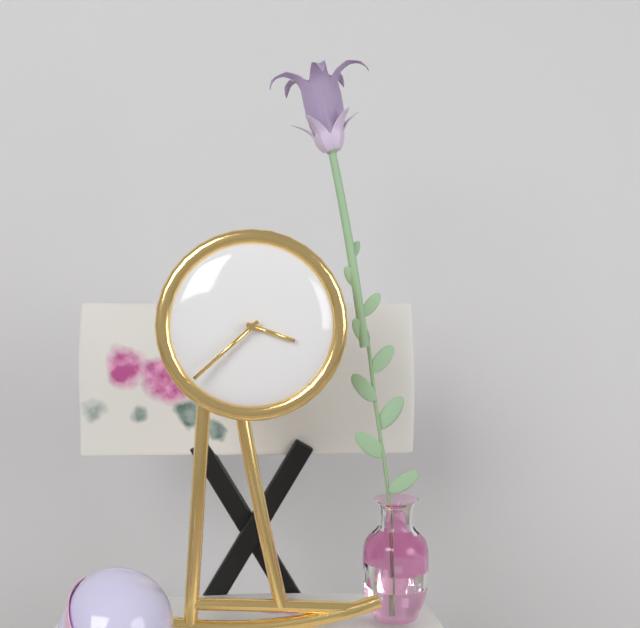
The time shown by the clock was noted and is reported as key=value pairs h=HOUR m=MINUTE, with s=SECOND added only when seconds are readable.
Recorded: h=3 m=38
